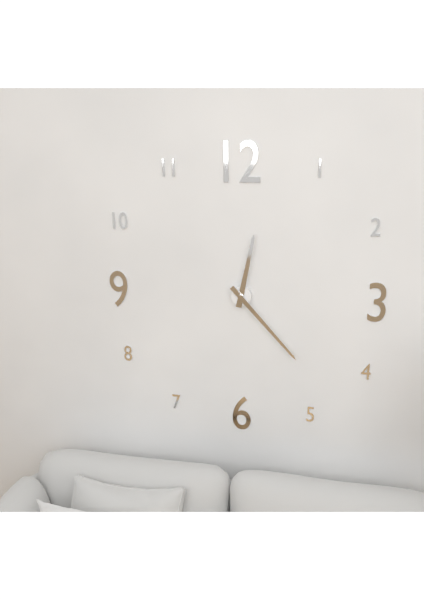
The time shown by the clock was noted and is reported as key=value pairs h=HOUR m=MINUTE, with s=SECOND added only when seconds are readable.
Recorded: h=12 m=23
